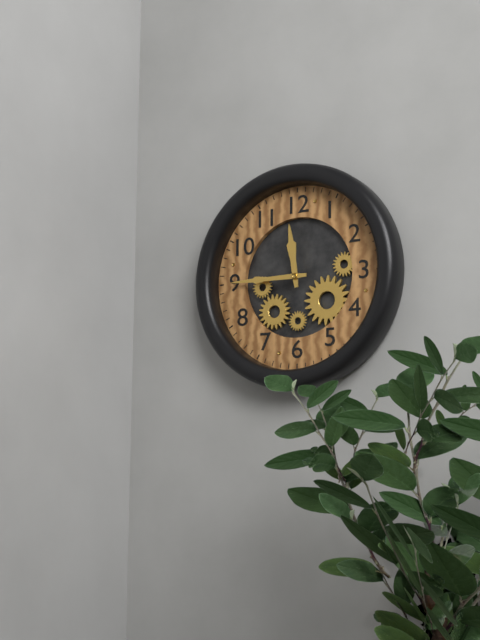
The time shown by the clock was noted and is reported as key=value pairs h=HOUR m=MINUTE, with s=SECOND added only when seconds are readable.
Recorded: h=11 m=45
